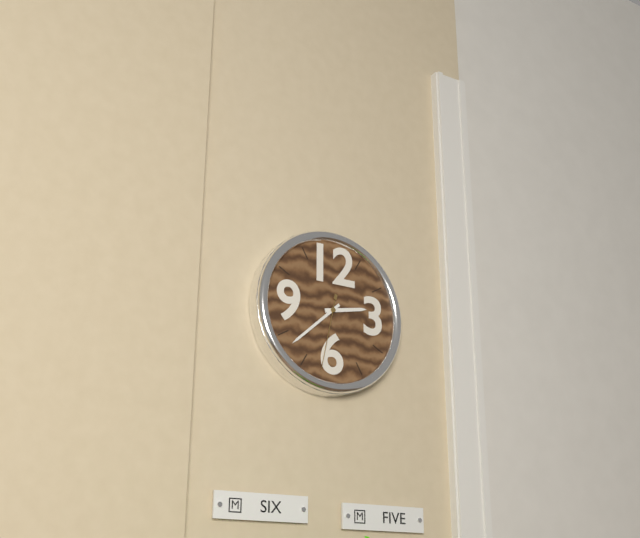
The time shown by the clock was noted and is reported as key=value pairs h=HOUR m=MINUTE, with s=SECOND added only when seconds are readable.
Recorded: h=2 m=38 s=32
